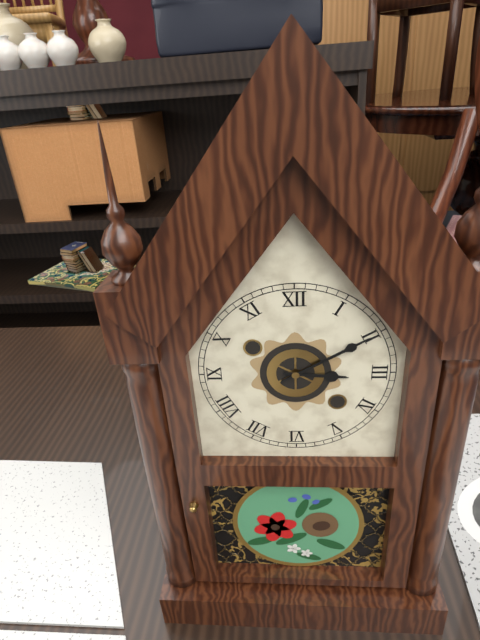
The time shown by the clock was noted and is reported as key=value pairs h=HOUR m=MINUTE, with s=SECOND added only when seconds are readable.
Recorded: h=3 m=10
